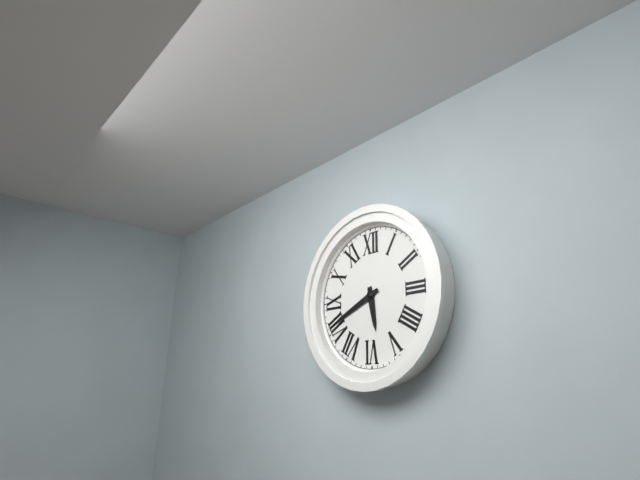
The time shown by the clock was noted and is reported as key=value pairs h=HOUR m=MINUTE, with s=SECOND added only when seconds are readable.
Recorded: h=5 m=41
